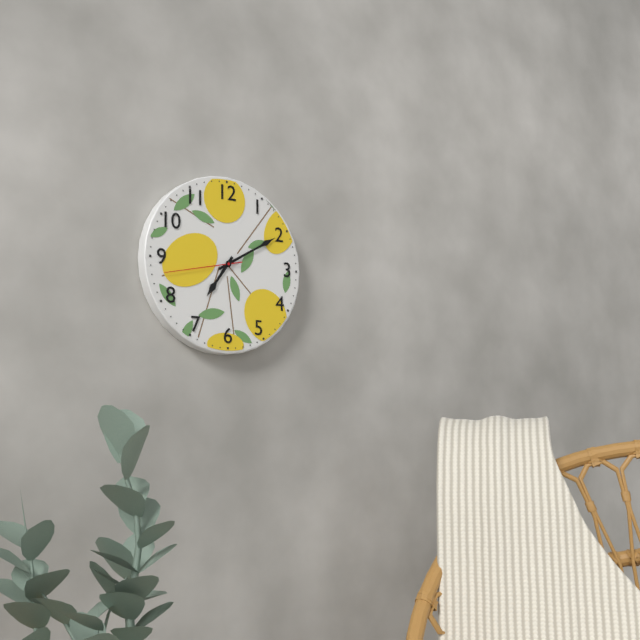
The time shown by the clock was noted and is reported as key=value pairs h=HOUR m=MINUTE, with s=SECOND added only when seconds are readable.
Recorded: h=7 m=10 s=43
